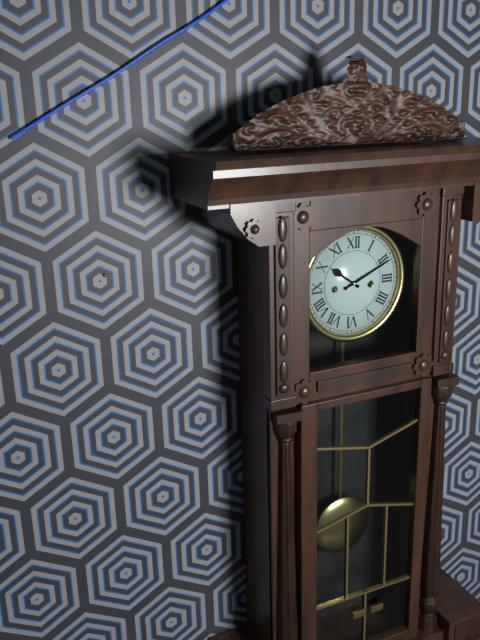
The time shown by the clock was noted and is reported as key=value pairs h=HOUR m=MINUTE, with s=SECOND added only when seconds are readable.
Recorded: h=10 m=11
